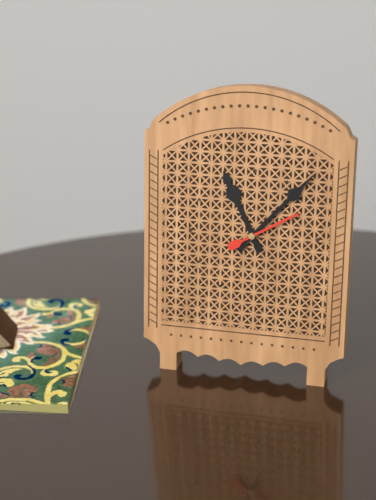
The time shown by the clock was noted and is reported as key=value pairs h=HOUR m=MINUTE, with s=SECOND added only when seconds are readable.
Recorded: h=11 m=7 s=10
